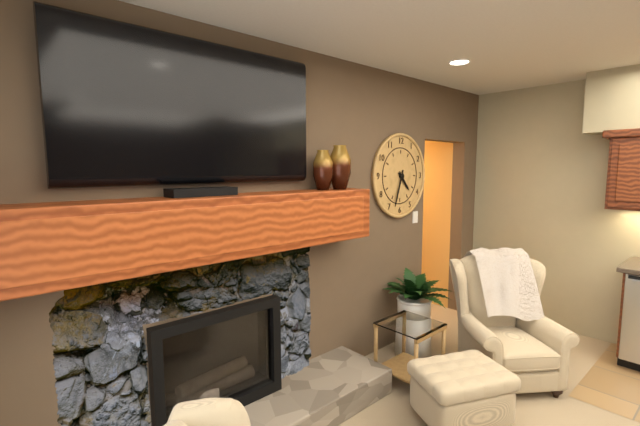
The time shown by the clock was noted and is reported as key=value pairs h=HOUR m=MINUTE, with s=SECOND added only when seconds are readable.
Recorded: h=4 m=33
